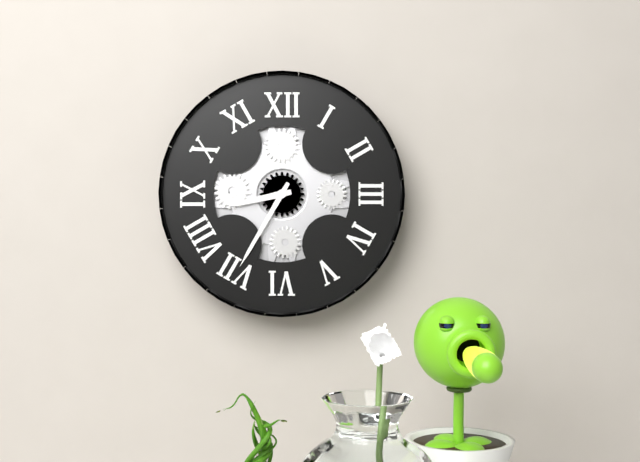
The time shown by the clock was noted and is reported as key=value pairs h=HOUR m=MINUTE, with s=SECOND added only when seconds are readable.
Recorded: h=8 m=35
